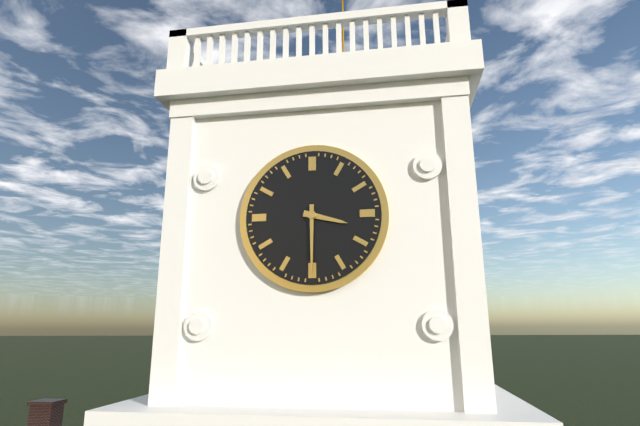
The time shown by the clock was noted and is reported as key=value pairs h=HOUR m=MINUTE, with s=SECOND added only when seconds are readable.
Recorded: h=3 m=30
